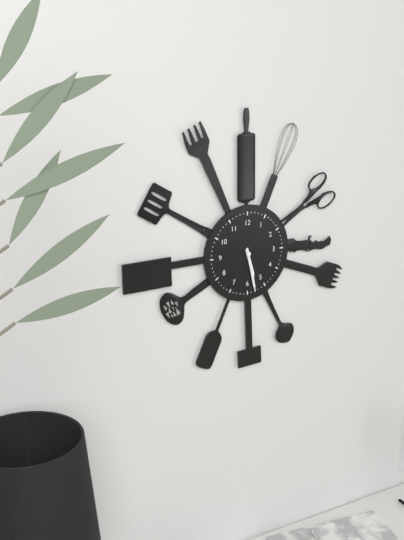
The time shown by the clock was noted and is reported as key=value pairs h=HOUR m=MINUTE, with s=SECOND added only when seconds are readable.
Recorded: h=5 m=28
